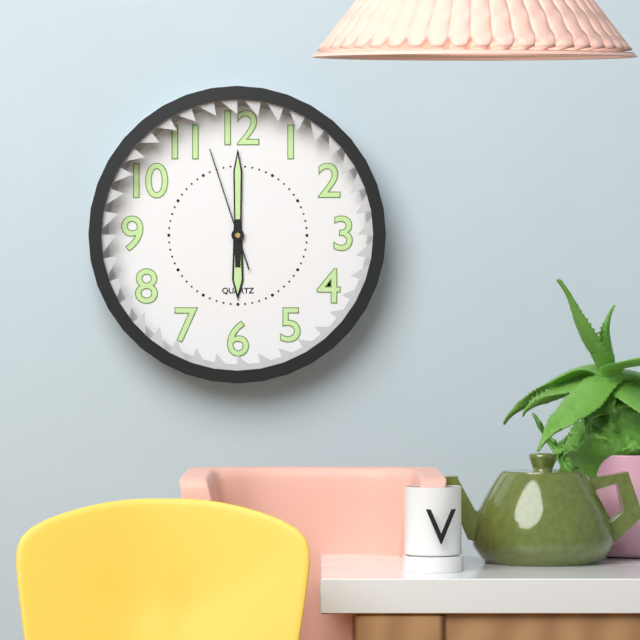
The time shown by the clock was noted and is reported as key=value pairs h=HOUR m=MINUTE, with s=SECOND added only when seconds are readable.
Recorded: h=6 m=0 s=57
